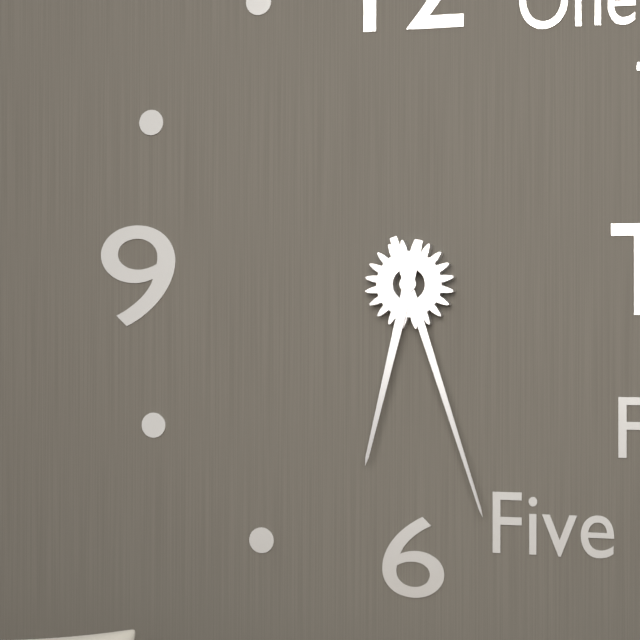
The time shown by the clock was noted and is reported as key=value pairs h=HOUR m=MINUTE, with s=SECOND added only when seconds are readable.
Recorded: h=6 m=27
